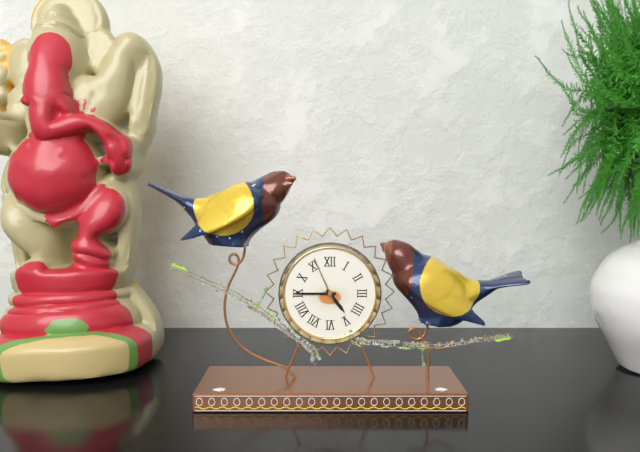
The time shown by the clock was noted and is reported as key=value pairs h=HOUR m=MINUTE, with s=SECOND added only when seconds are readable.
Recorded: h=4 m=45
